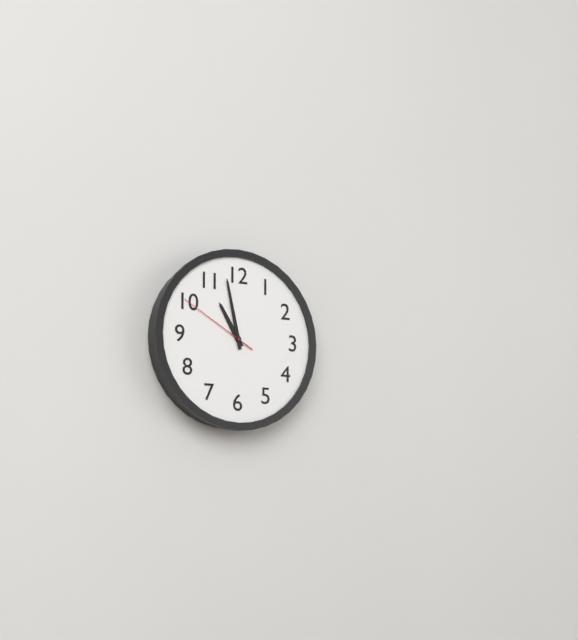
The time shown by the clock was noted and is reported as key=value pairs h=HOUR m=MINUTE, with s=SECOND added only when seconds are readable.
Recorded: h=10 m=58 s=50
